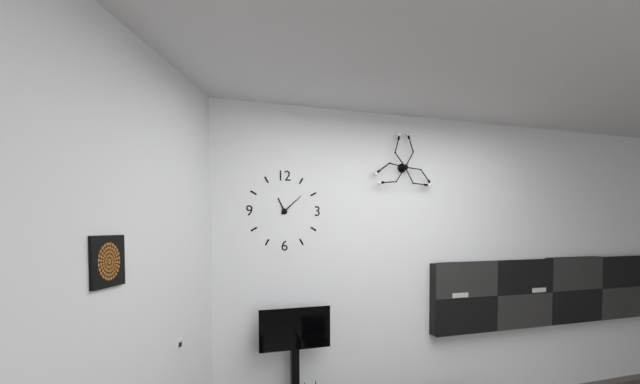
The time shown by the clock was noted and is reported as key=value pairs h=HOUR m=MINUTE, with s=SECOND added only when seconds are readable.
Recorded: h=11 m=8
